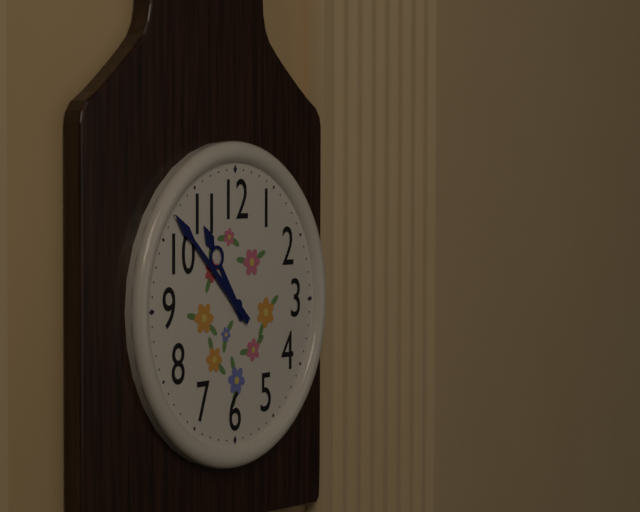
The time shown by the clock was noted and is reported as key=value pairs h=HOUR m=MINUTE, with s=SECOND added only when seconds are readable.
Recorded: h=10 m=52
